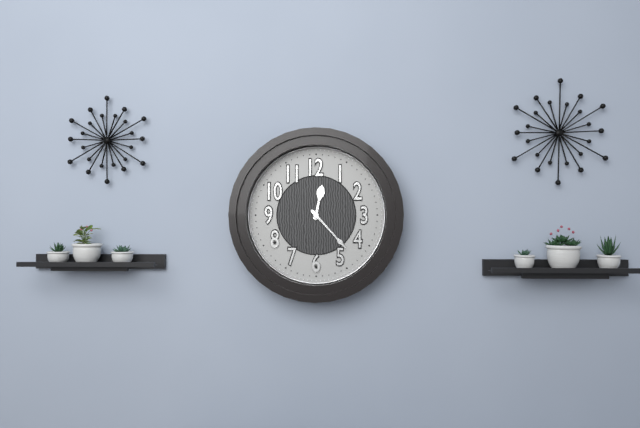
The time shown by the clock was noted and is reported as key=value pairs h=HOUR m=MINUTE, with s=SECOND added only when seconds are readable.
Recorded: h=12 m=23
